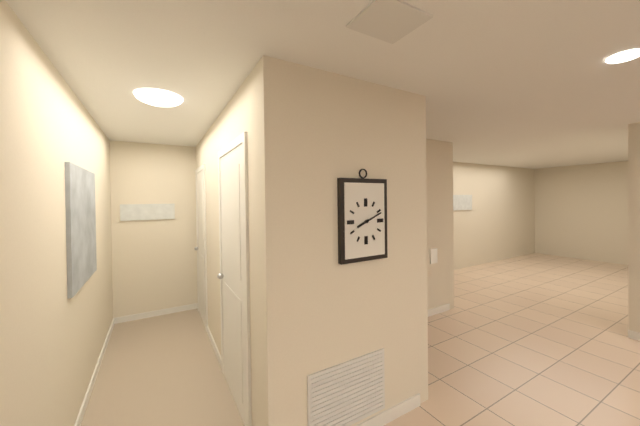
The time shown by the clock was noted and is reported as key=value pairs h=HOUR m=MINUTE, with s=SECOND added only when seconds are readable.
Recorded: h=8 m=11
